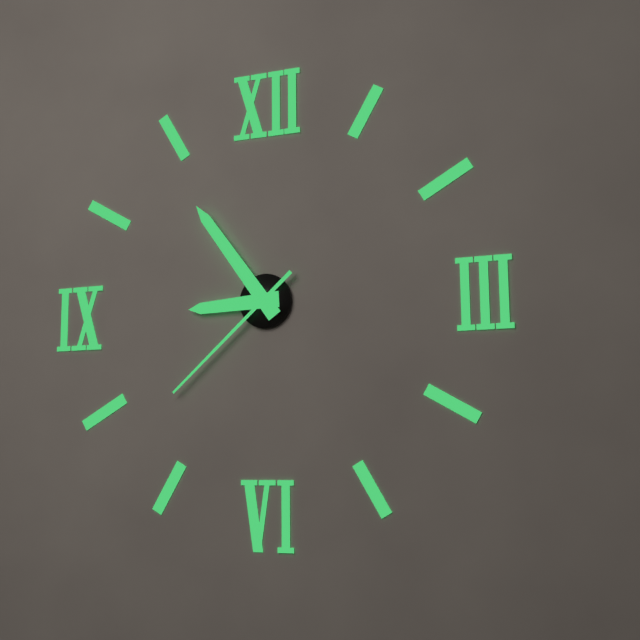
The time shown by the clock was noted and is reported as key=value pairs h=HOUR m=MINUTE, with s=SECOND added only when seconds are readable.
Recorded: h=8 m=54 s=38
